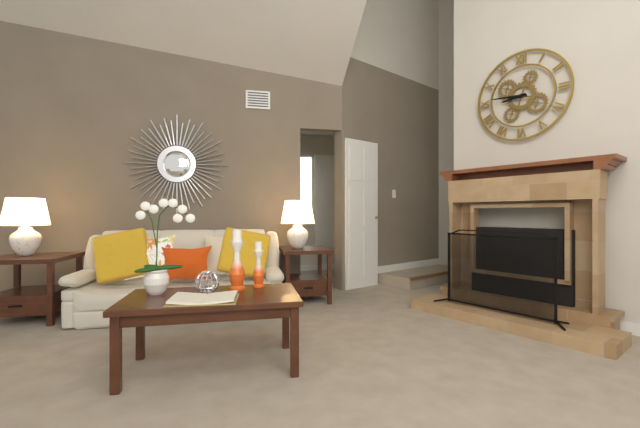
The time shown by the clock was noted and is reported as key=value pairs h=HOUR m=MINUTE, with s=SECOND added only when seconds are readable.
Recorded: h=8 m=46
